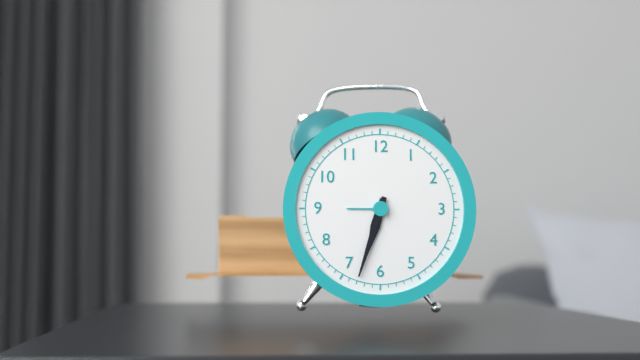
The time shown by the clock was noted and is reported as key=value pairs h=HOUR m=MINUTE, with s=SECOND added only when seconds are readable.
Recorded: h=6 m=33
